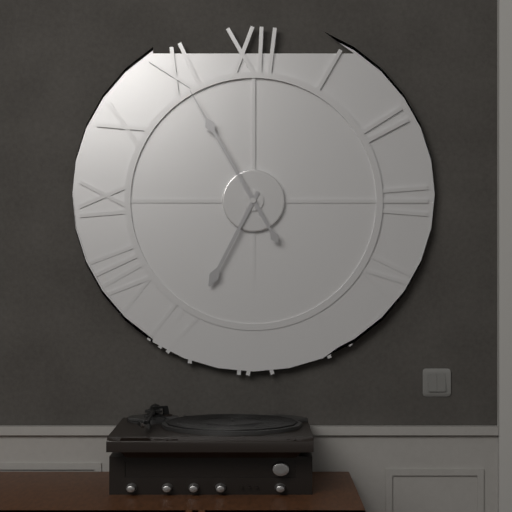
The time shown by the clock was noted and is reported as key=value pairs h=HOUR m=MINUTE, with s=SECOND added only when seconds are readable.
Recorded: h=6 m=55
